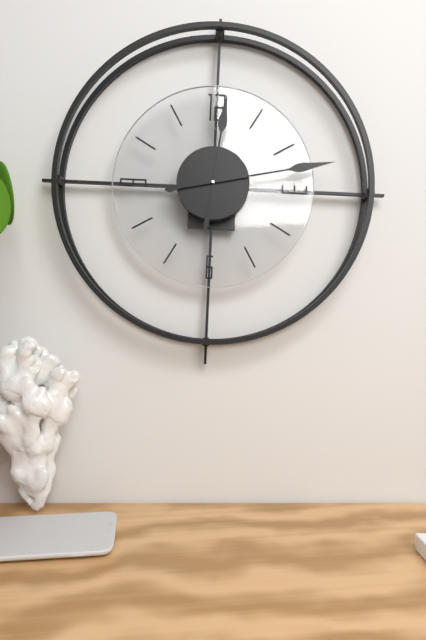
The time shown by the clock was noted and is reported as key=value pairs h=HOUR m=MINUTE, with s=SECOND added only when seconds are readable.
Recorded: h=12 m=13
